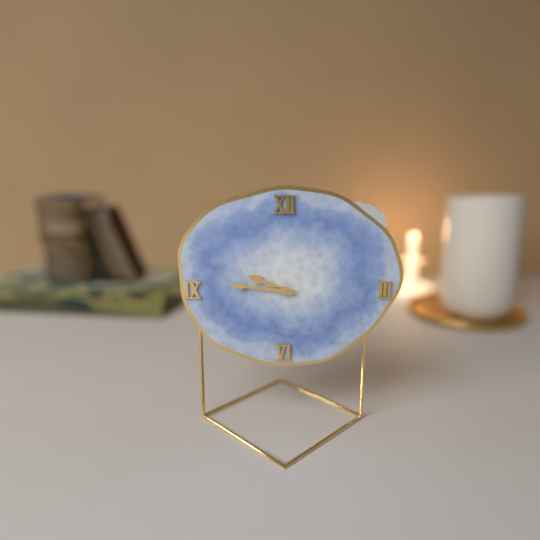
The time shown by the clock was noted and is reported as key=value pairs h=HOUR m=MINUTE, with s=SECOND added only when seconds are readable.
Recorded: h=9 m=46
